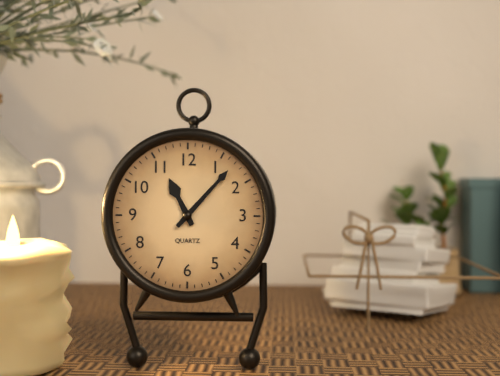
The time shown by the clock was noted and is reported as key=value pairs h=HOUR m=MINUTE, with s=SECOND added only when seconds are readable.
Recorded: h=11 m=7
